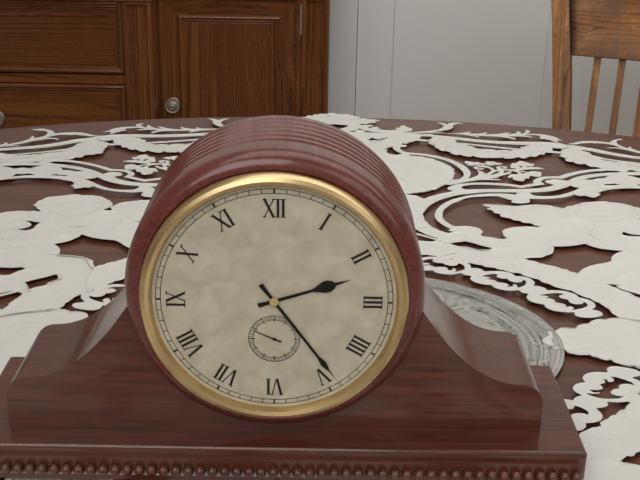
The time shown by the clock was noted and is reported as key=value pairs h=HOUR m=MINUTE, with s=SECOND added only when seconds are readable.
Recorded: h=2 m=24
